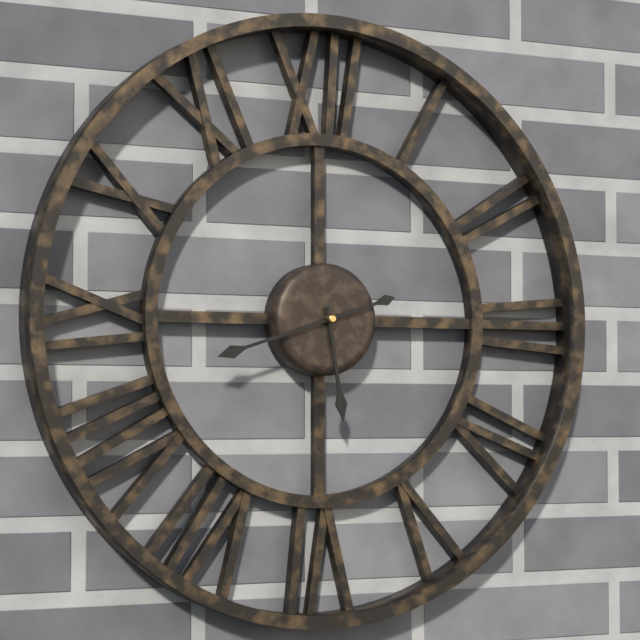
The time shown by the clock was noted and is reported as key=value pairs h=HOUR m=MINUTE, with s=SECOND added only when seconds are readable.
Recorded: h=5 m=42
